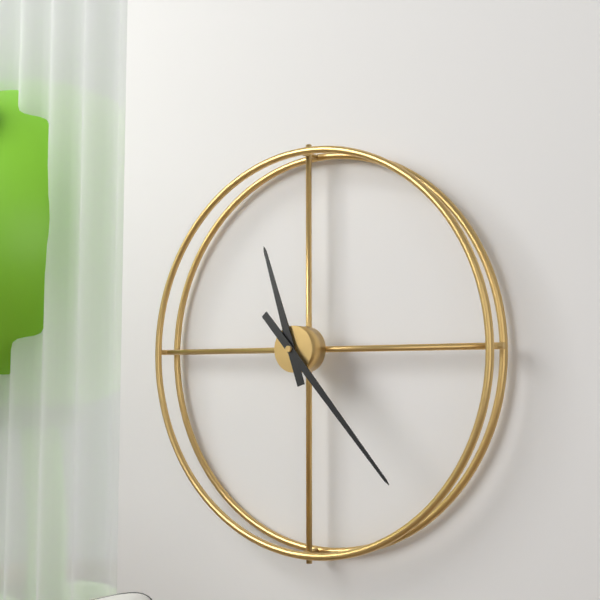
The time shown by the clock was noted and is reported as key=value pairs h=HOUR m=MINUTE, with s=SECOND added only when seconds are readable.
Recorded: h=11 m=23
